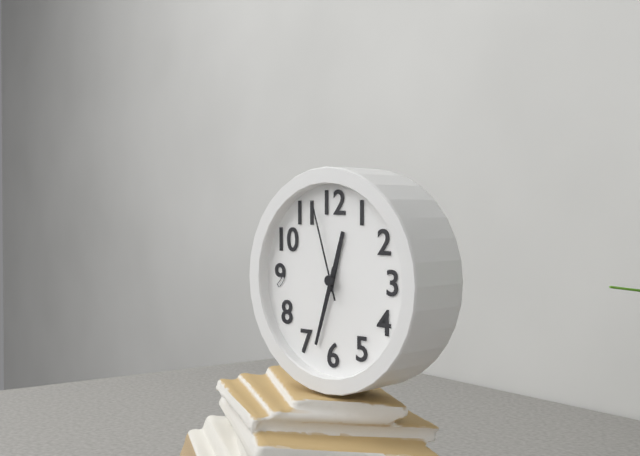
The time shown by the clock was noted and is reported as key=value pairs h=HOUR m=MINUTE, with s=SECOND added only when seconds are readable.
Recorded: h=12 m=33 s=57
